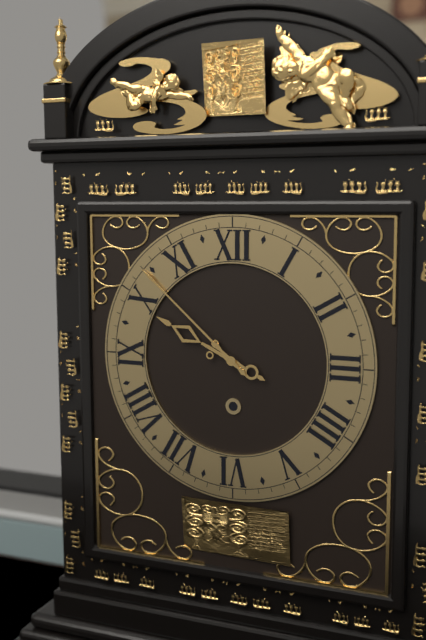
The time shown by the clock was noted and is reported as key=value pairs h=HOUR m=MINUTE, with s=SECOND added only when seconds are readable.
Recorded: h=9 m=52
